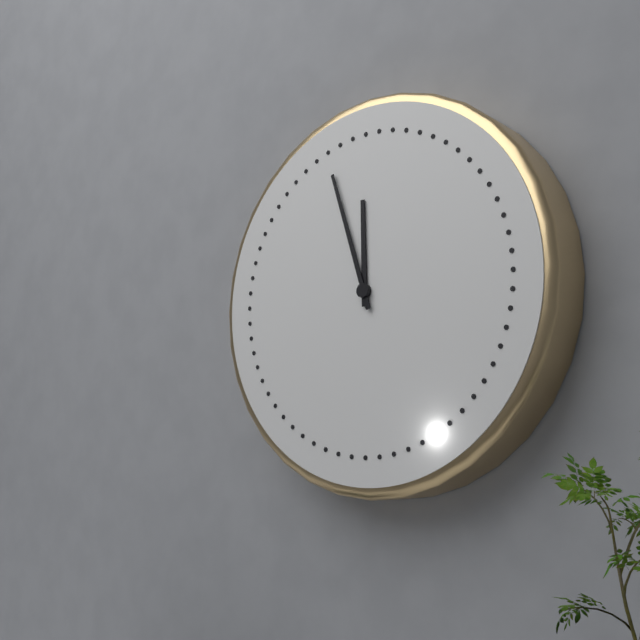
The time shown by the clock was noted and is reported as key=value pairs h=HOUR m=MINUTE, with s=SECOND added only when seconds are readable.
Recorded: h=11 m=57
